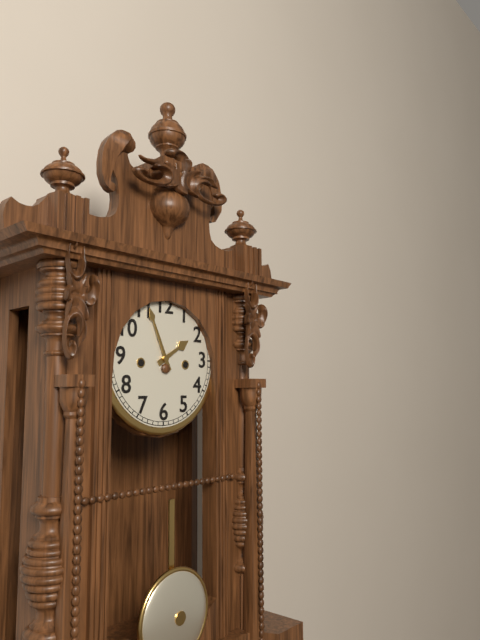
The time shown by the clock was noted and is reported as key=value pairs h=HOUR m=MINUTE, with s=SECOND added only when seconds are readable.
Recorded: h=1 m=56
